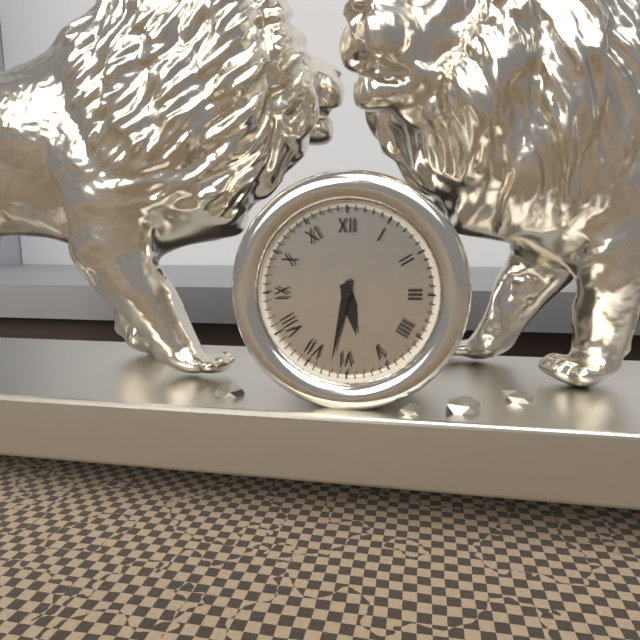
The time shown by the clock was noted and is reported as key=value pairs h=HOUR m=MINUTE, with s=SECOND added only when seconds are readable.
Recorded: h=5 m=32
